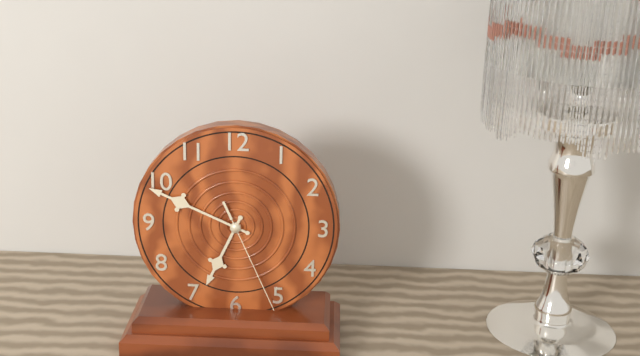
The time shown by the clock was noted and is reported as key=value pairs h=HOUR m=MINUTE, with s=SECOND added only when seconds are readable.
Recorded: h=6 m=49 s=26
